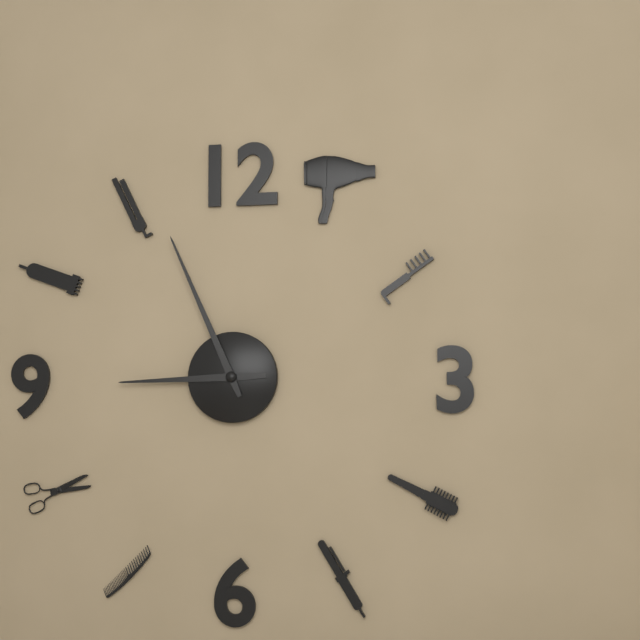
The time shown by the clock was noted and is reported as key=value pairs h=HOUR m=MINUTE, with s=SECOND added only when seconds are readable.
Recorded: h=8 m=56
